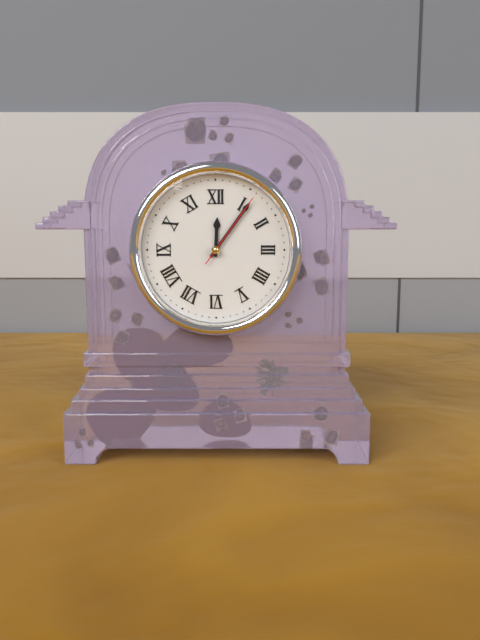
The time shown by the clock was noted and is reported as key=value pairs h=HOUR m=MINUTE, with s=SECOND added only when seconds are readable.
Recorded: h=12 m=6 s=6
